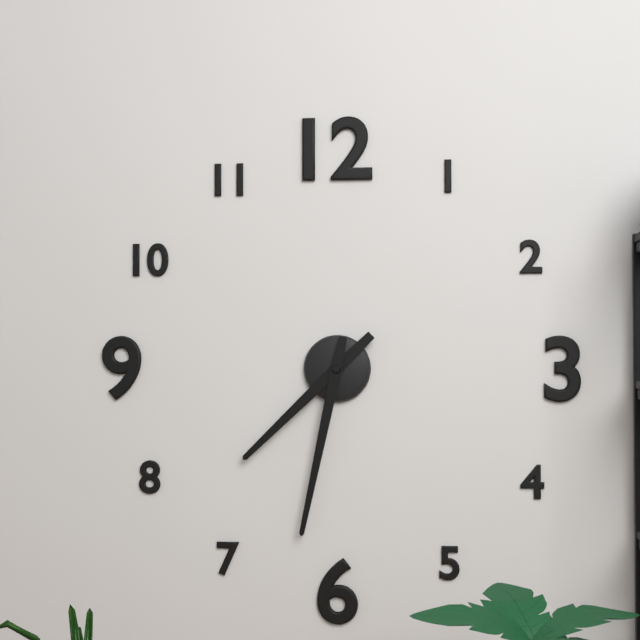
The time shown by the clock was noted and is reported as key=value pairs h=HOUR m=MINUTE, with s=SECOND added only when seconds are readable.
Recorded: h=7 m=32
